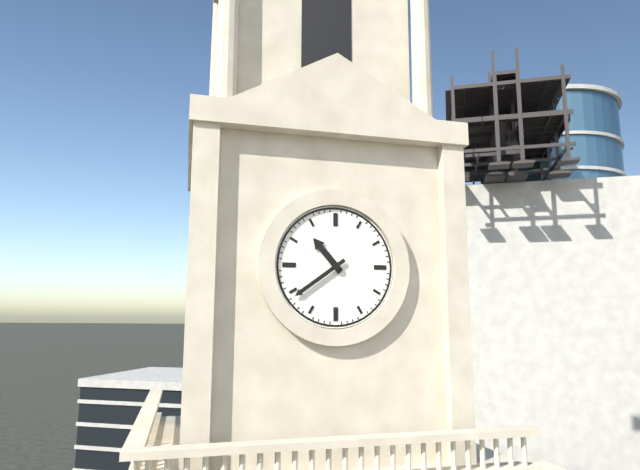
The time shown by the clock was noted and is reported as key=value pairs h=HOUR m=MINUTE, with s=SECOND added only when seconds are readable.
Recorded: h=10 m=39
